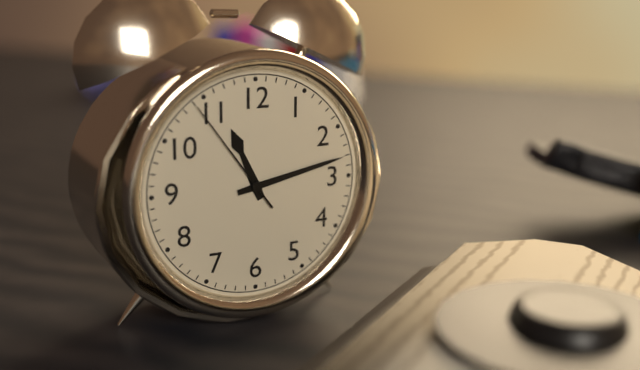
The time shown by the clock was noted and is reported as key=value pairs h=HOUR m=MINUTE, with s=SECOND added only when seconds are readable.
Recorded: h=11 m=13 s=54
